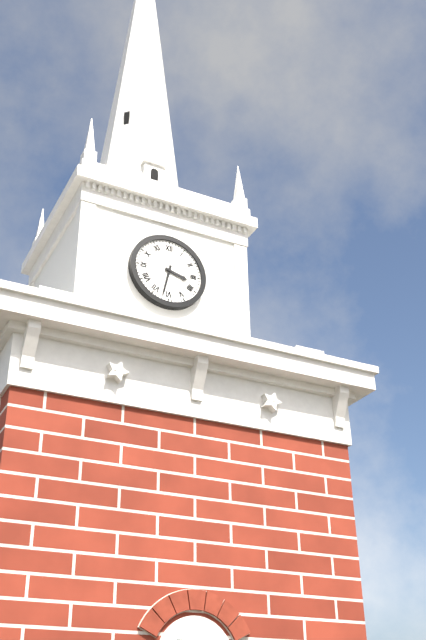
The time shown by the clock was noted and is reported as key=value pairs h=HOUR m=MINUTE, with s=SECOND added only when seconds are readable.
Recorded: h=3 m=32
